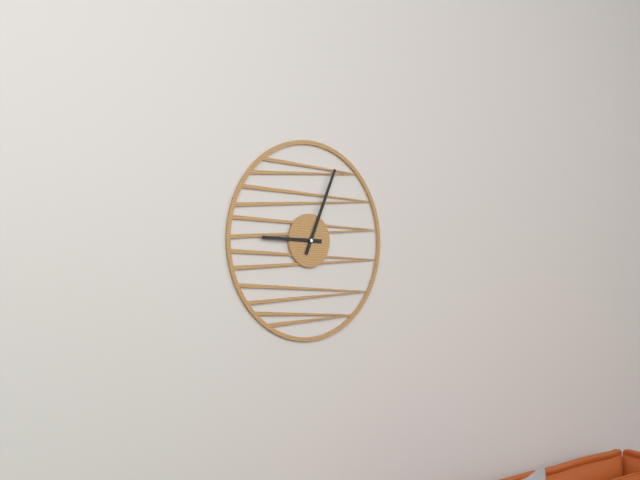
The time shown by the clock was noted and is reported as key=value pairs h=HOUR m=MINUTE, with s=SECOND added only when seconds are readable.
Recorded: h=9 m=4
